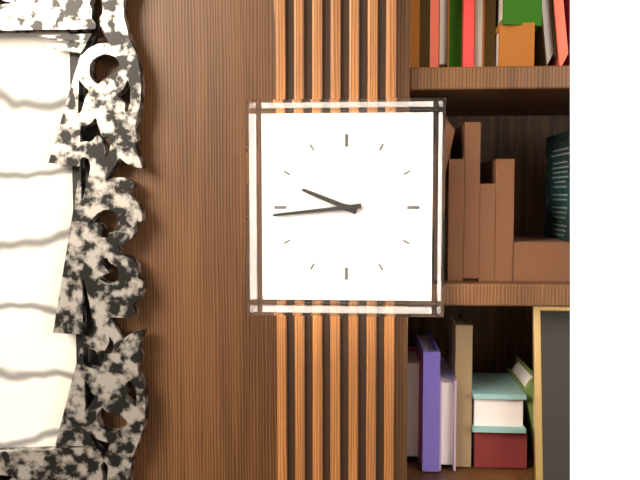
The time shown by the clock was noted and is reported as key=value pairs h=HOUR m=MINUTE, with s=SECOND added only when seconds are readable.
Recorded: h=9 m=44
